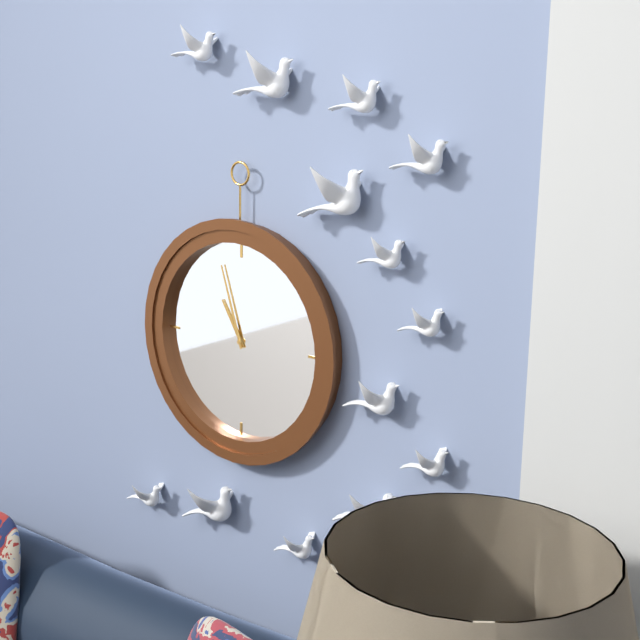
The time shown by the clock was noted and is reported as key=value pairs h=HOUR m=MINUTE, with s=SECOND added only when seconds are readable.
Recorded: h=10 m=57
